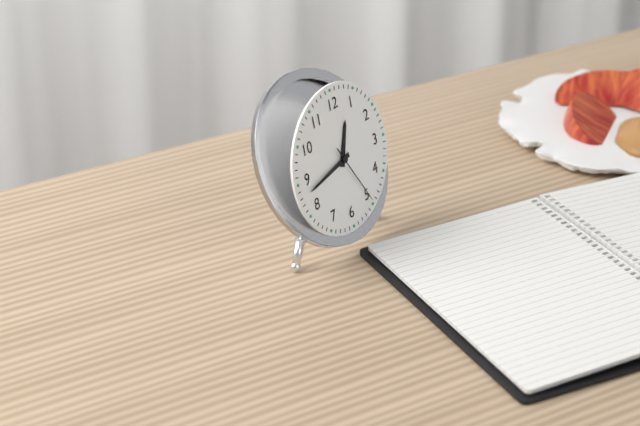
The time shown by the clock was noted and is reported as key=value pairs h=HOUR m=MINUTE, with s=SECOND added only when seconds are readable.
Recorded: h=12 m=43 s=25
